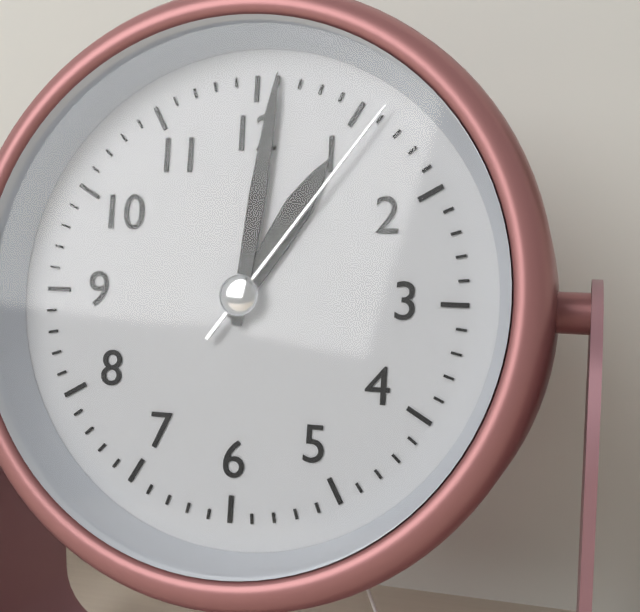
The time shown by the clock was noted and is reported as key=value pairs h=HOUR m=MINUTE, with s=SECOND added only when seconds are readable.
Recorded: h=1 m=1 s=6
